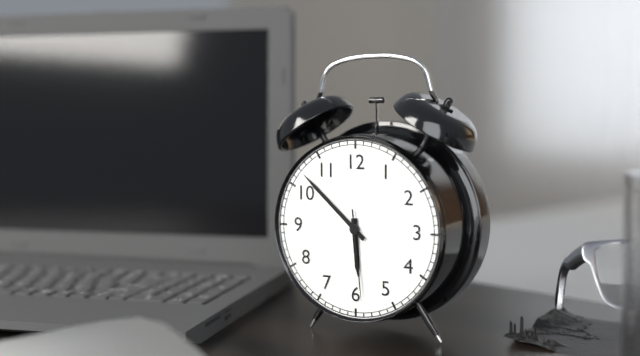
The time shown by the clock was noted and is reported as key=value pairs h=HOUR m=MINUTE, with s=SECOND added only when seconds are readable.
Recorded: h=5 m=52 s=29
